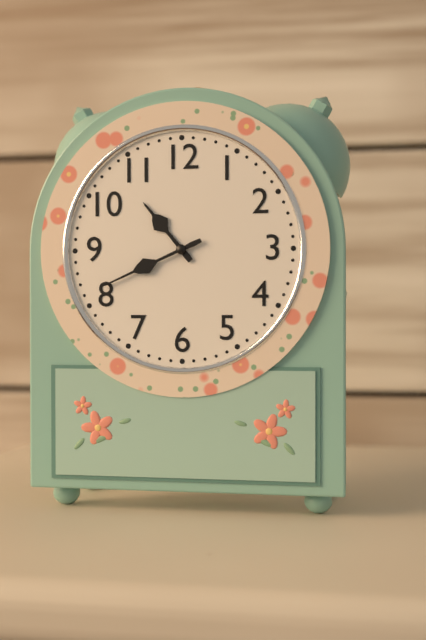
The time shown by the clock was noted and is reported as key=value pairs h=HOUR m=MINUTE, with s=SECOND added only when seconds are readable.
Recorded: h=10 m=41
